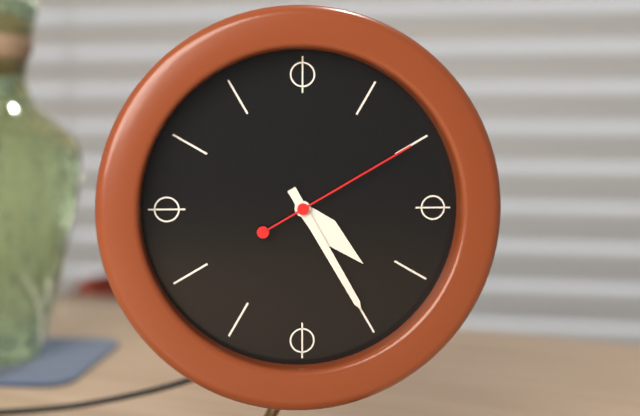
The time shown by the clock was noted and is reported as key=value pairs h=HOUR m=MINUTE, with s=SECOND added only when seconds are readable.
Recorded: h=4 m=25 s=10
